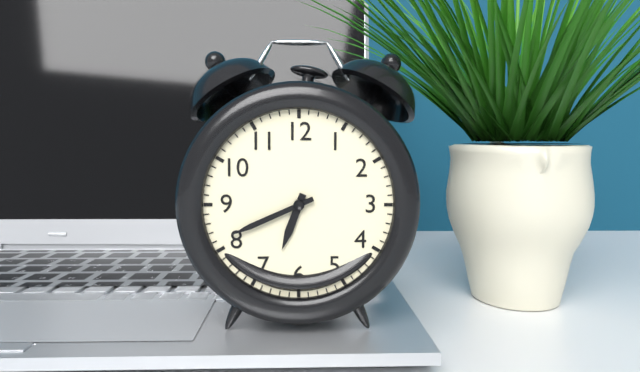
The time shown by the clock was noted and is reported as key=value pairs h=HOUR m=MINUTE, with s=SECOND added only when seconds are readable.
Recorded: h=6 m=41
